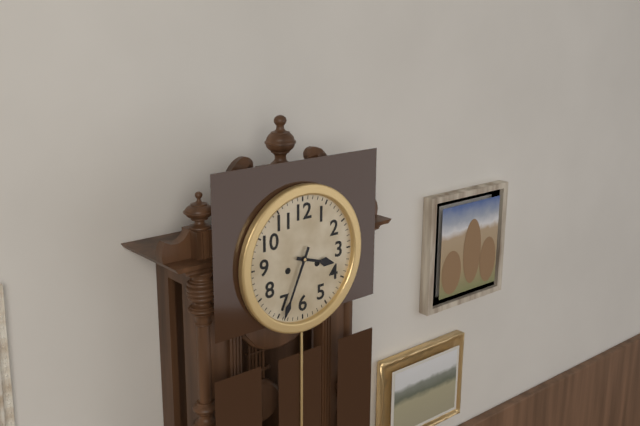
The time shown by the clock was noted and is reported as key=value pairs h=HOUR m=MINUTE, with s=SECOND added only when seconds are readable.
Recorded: h=3 m=34
